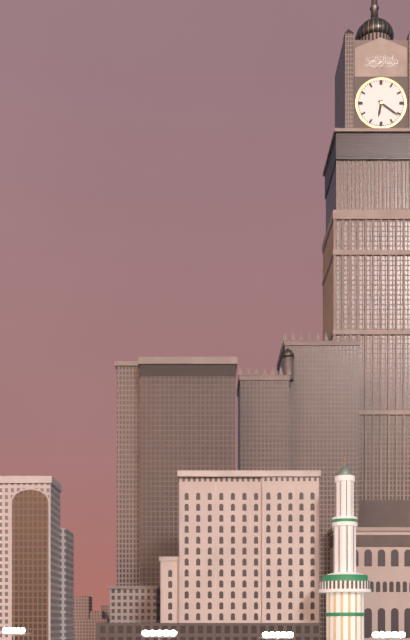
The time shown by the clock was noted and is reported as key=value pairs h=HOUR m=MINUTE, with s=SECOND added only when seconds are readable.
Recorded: h=6 m=21
